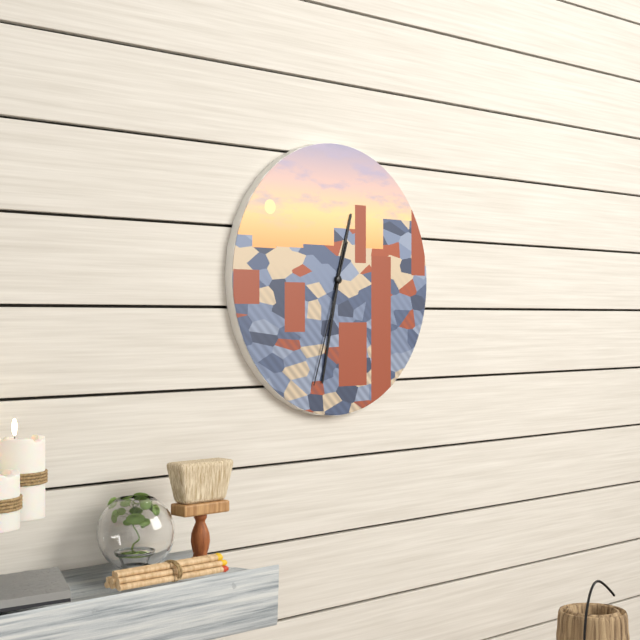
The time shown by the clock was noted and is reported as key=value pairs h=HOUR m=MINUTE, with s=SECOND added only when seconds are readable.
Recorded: h=12 m=32 s=33
